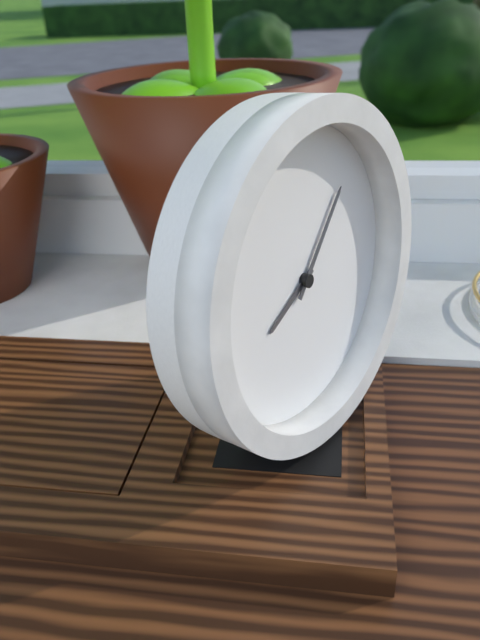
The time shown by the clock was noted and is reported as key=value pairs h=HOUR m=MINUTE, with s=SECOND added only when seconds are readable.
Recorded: h=8 m=7
